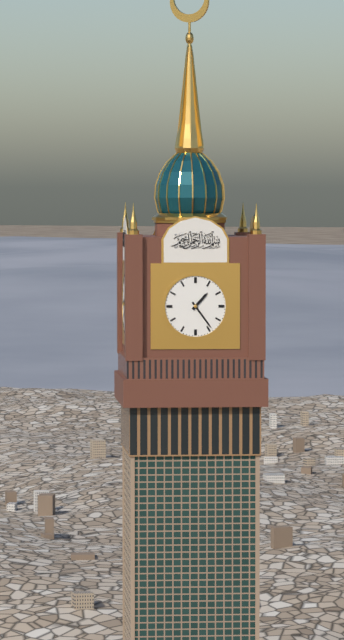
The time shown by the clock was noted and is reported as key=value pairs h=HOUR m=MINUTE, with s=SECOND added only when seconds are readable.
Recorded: h=1 m=24
